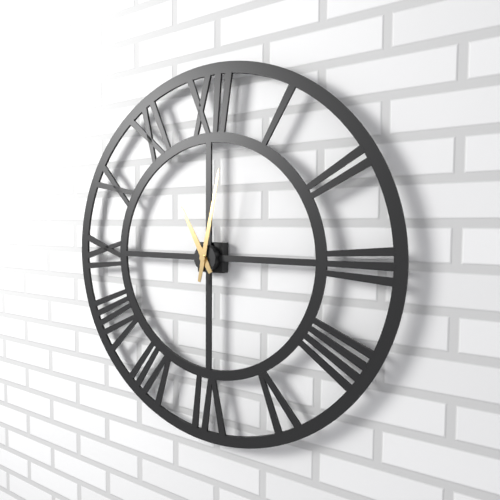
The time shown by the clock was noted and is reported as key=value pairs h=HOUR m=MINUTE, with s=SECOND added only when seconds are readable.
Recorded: h=11 m=2
